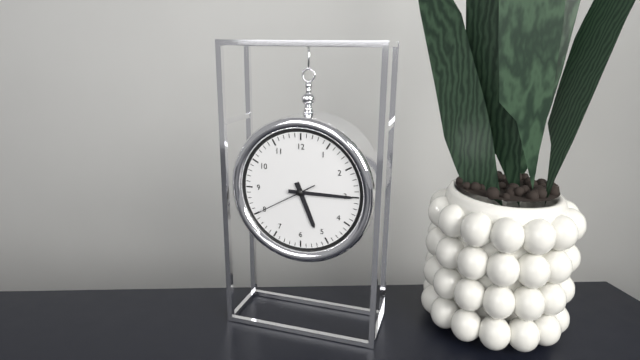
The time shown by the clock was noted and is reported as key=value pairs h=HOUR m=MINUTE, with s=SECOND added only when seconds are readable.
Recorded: h=5 m=15 s=40
